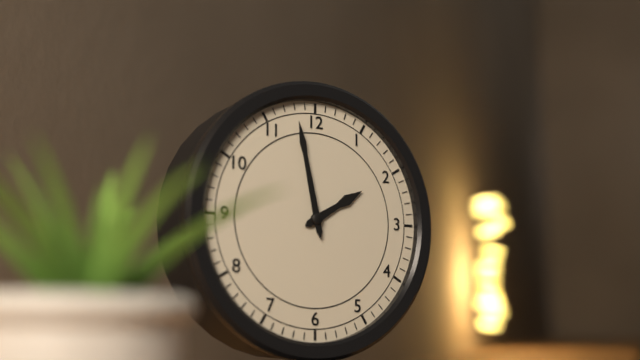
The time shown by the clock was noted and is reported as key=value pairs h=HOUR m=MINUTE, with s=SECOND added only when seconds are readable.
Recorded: h=1 m=58
